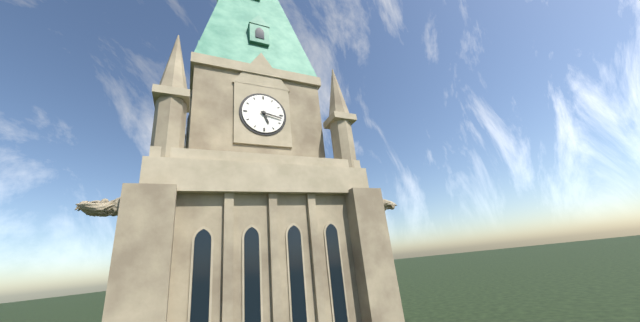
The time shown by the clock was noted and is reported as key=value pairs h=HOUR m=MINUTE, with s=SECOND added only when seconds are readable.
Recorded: h=5 m=17
